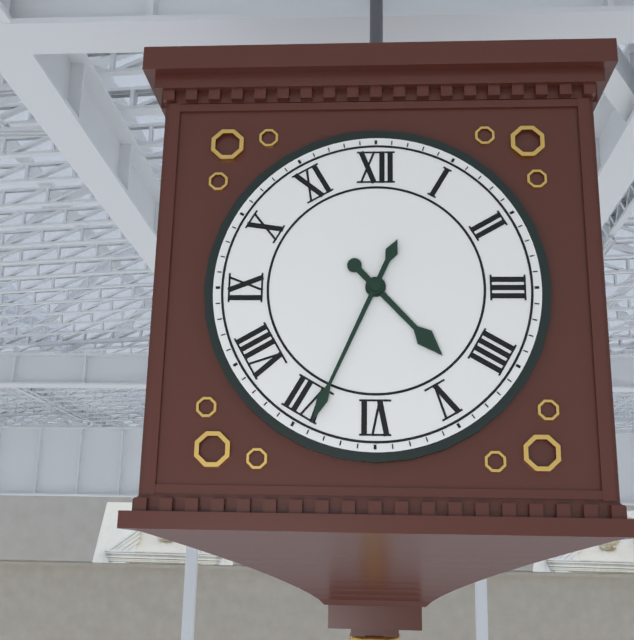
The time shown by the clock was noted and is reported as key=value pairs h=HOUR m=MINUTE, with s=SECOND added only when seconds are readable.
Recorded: h=4 m=34
